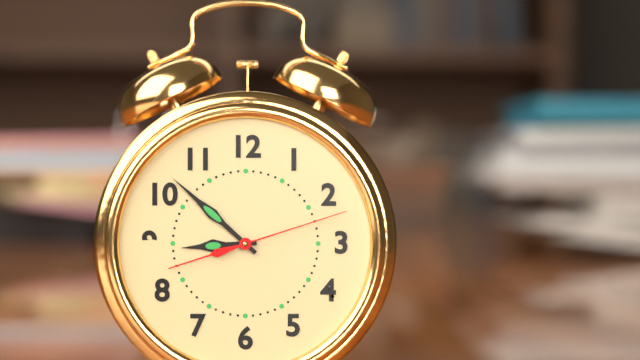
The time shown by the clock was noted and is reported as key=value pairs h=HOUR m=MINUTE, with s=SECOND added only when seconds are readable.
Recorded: h=8 m=52 s=12
